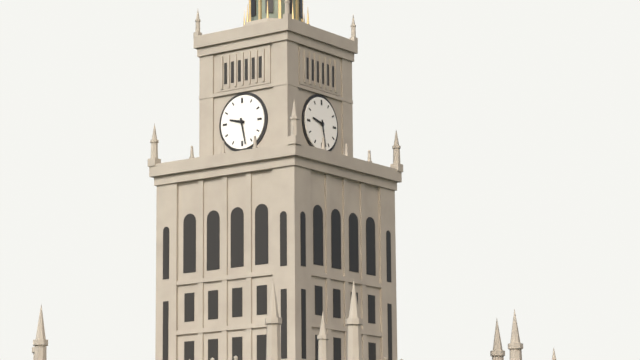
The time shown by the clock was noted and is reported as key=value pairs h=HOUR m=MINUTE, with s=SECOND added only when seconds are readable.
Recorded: h=9 m=28
